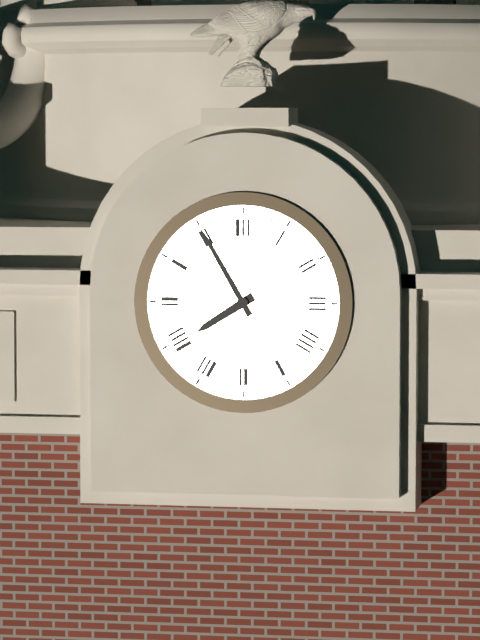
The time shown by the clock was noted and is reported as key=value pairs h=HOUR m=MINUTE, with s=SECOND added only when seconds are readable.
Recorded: h=7 m=55
